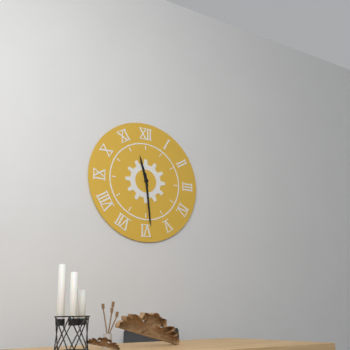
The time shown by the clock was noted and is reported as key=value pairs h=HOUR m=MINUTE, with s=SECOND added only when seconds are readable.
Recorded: h=11 m=29
